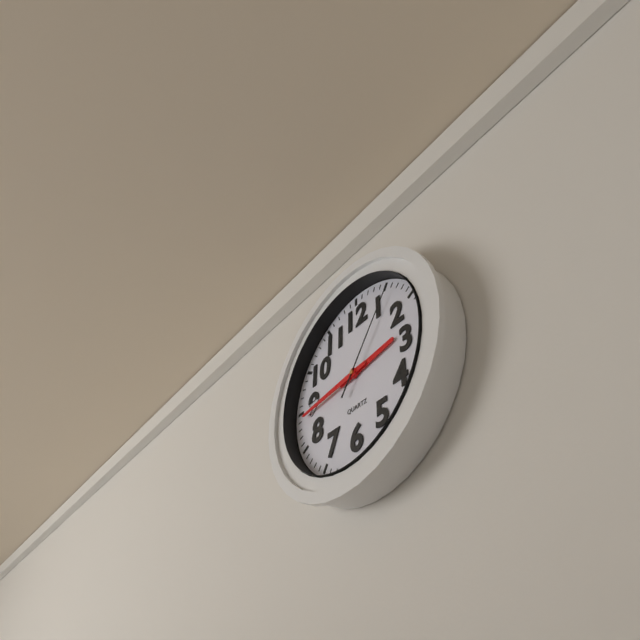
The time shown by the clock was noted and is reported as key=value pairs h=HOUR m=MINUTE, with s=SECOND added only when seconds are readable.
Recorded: h=2 m=44 s=6
